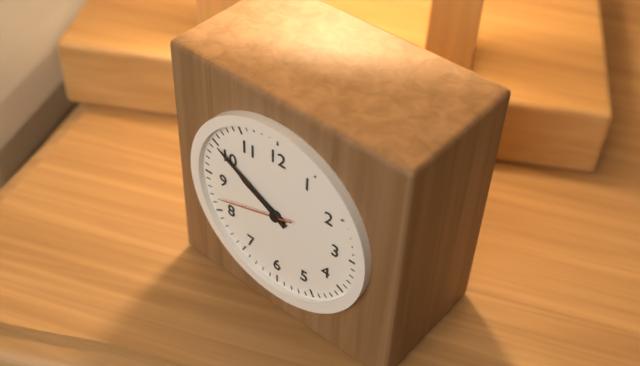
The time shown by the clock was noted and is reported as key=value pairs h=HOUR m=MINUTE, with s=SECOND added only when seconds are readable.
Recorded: h=9 m=50 s=42
